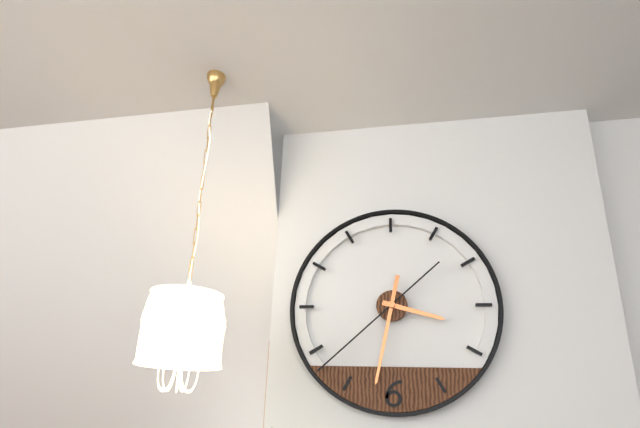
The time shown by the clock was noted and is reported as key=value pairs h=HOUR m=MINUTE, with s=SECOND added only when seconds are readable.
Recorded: h=3 m=32 s=38
